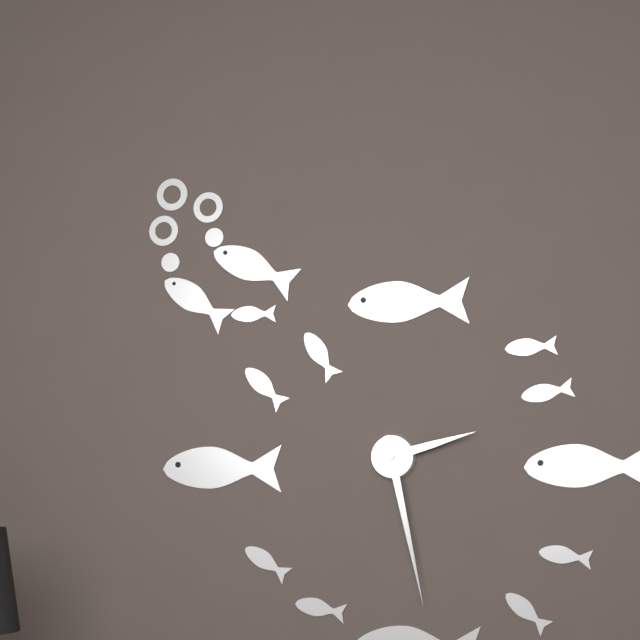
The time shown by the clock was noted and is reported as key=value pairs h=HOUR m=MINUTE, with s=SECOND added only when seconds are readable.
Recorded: h=2 m=28
